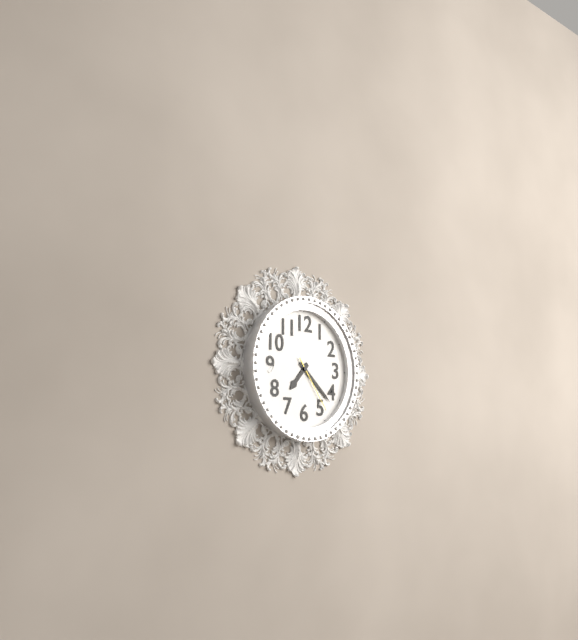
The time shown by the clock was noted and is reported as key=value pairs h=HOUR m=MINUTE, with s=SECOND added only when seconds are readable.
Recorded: h=7 m=22 s=24
